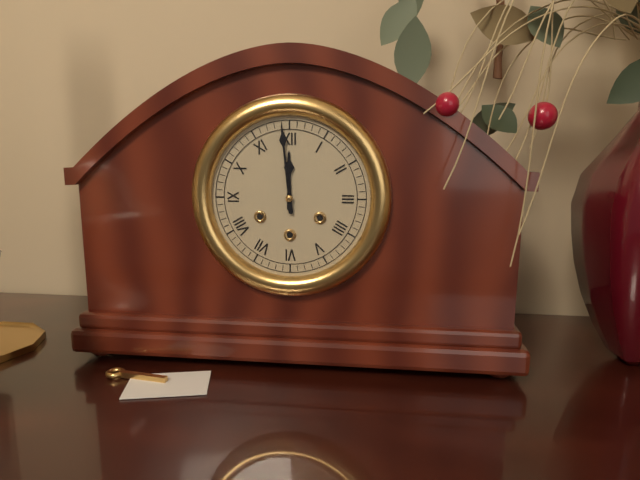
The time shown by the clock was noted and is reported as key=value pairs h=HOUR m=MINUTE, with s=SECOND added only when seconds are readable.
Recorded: h=11 m=59
